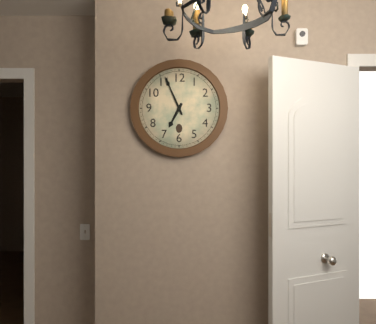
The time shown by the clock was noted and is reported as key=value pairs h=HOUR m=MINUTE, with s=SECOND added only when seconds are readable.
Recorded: h=6 m=56
